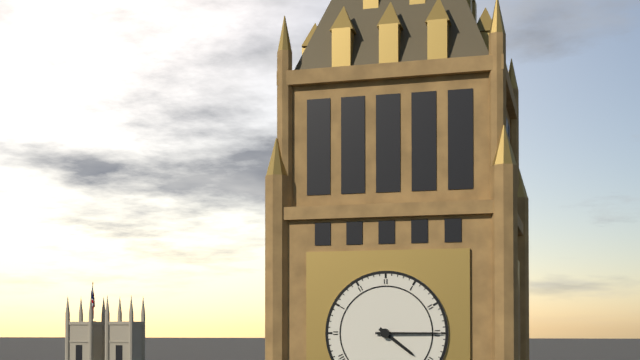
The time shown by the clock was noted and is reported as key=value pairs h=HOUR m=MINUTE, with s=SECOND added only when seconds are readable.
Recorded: h=4 m=15
